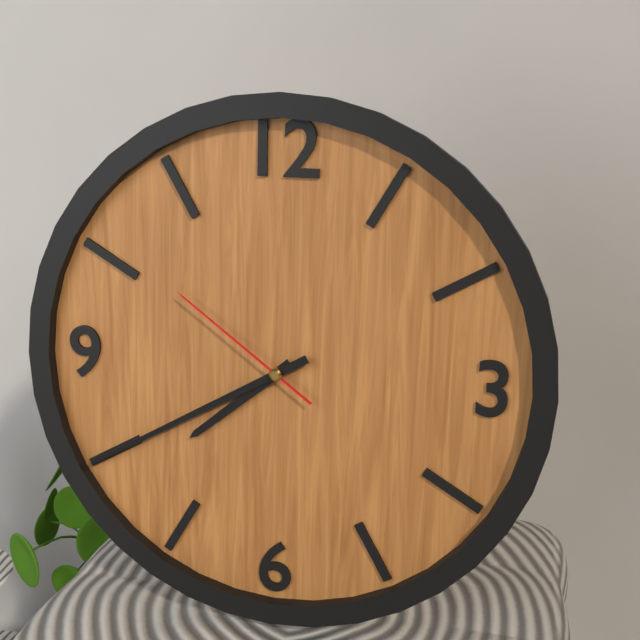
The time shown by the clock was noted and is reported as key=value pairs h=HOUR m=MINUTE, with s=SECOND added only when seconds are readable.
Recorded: h=7 m=40 s=51
